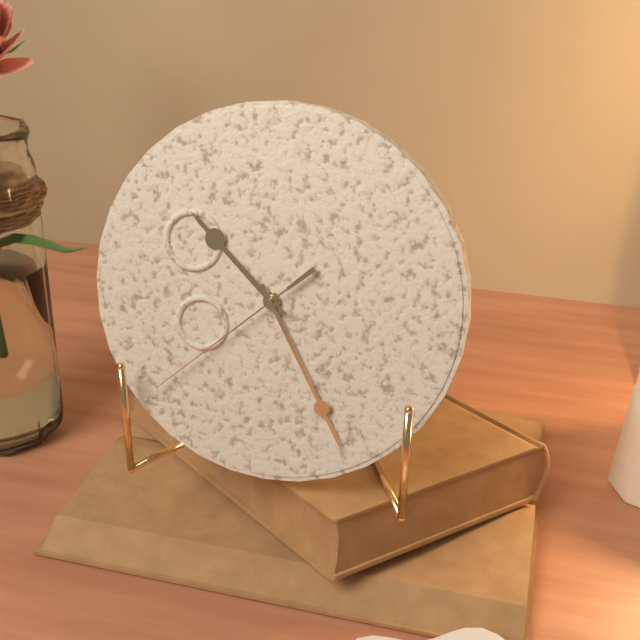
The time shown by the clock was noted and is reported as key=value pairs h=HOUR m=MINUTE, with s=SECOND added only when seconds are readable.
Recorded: h=10 m=25 s=38
